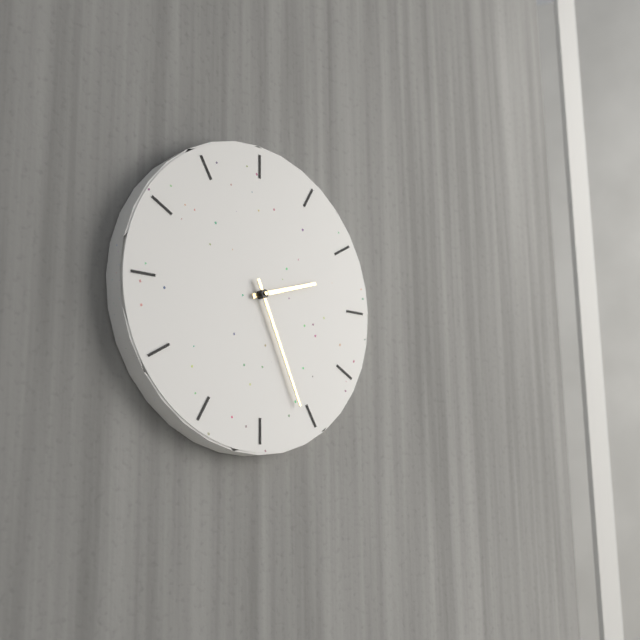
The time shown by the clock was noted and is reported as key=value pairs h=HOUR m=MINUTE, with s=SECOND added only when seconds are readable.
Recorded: h=2 m=26
